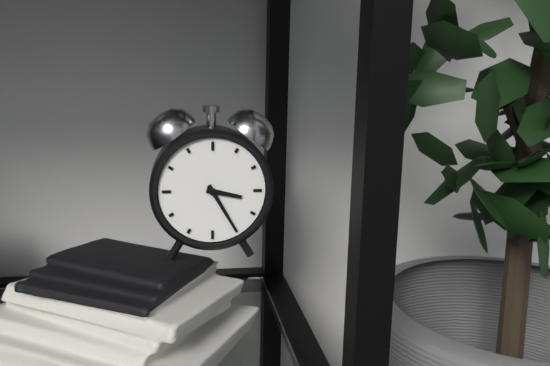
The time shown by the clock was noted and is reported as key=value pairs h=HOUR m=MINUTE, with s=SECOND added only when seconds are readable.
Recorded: h=3 m=25
